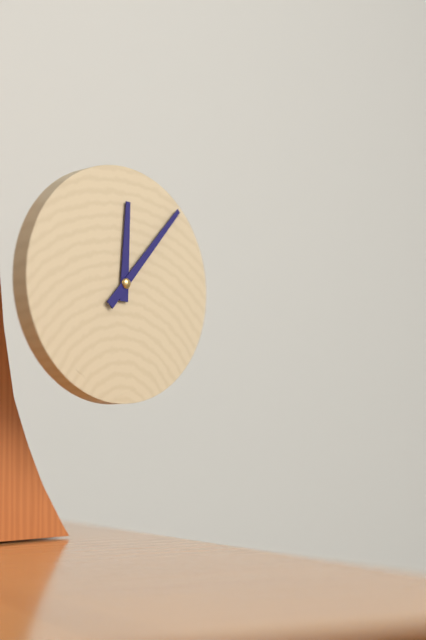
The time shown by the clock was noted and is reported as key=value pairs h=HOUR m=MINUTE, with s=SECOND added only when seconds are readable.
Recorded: h=12 m=7
